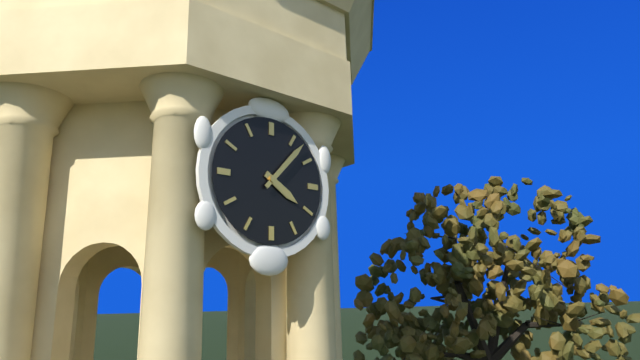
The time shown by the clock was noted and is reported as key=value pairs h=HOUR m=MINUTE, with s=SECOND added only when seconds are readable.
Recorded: h=4 m=7
